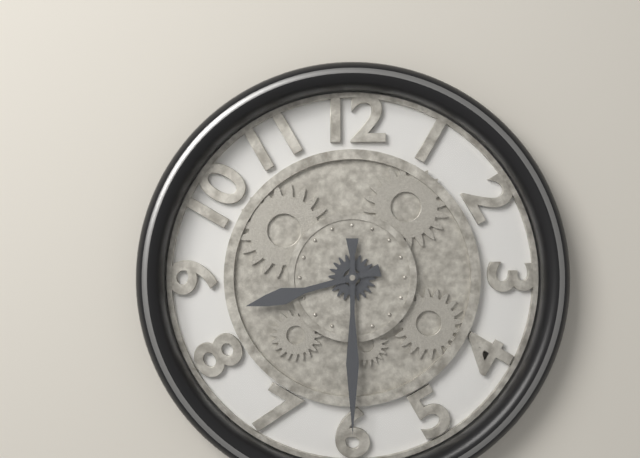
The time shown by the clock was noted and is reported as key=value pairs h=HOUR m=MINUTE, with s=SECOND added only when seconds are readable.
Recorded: h=8 m=30
